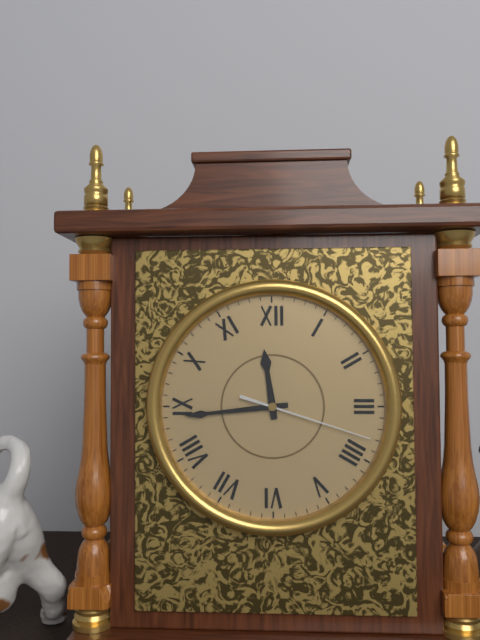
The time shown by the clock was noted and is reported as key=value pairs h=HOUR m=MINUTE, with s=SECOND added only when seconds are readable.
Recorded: h=11 m=44 s=18
